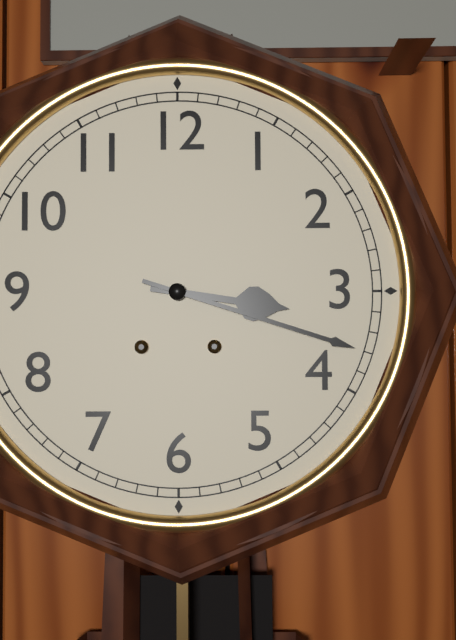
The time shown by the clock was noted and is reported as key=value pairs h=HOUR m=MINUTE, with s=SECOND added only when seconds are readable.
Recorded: h=3 m=18
